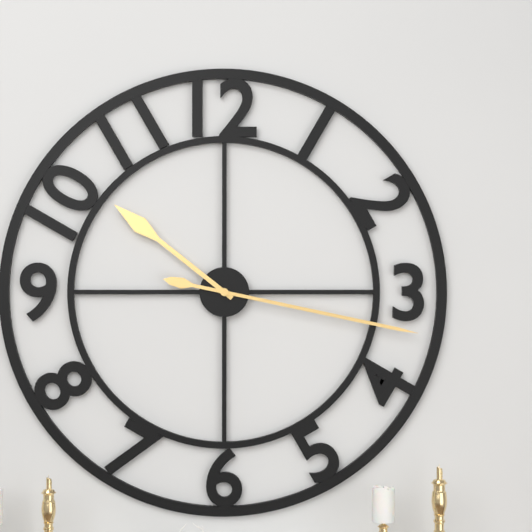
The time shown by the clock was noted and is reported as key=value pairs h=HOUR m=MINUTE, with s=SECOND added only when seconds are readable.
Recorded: h=10 m=17
